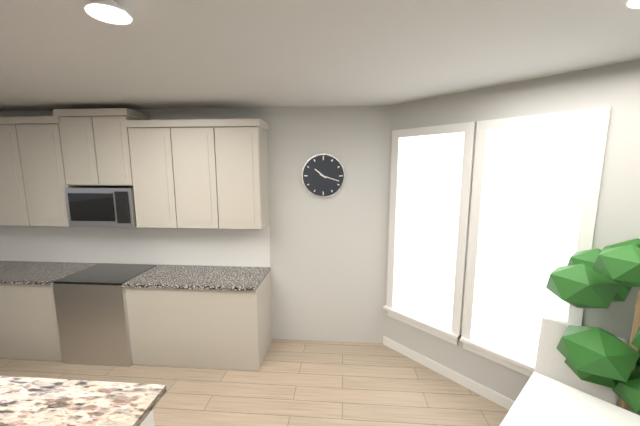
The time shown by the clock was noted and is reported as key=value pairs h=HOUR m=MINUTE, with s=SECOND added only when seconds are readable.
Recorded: h=10 m=18
